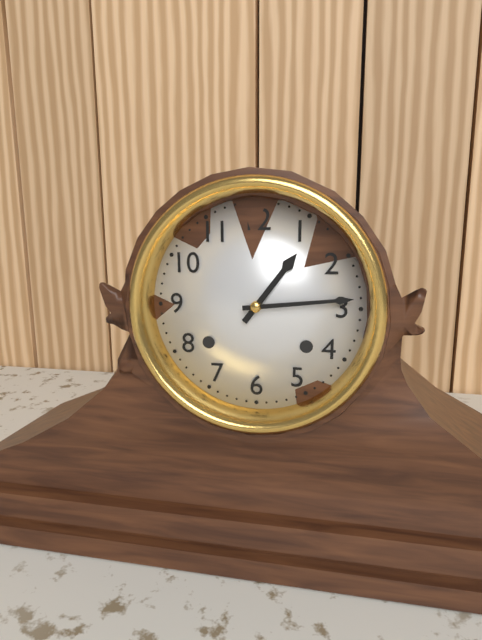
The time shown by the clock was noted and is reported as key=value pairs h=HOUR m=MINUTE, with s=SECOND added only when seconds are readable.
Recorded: h=1 m=14
